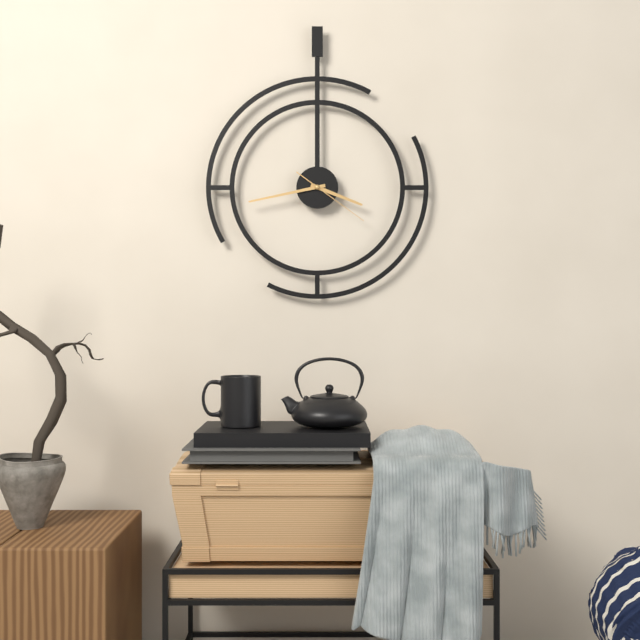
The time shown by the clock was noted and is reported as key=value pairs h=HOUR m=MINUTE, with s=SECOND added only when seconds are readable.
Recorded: h=3 m=43 s=21
